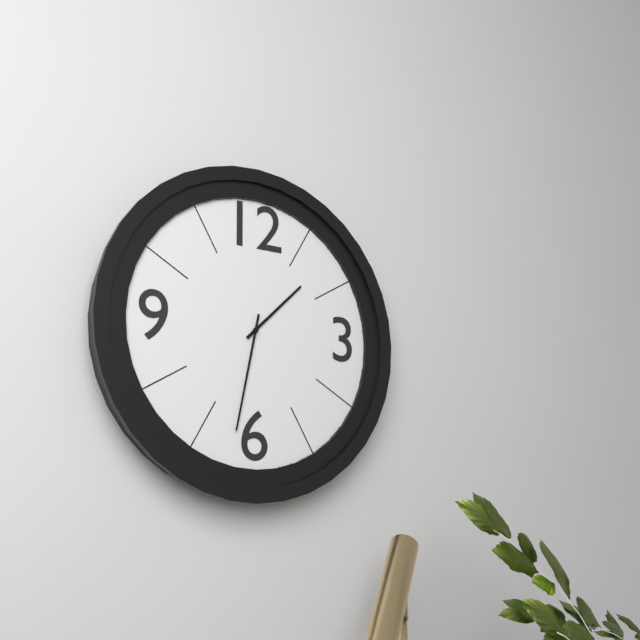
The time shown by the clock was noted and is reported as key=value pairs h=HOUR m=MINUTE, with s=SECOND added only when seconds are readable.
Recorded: h=1 m=32
